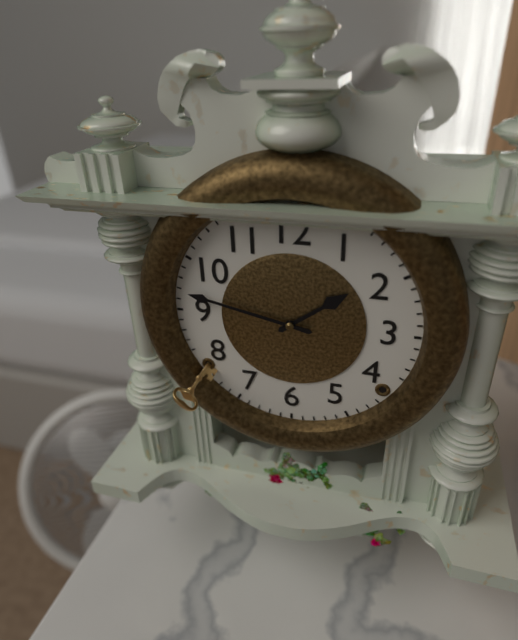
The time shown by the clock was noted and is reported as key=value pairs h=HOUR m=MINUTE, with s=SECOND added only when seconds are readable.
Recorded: h=1 m=47
